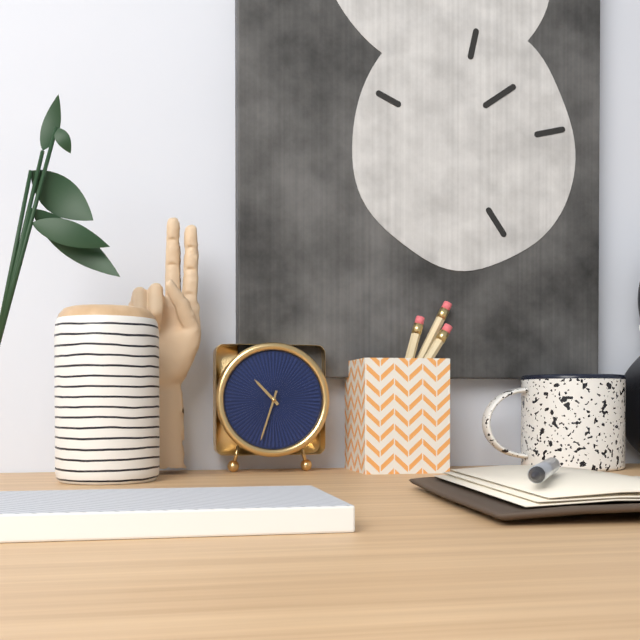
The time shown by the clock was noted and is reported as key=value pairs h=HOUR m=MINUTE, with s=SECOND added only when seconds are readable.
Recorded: h=10 m=33
